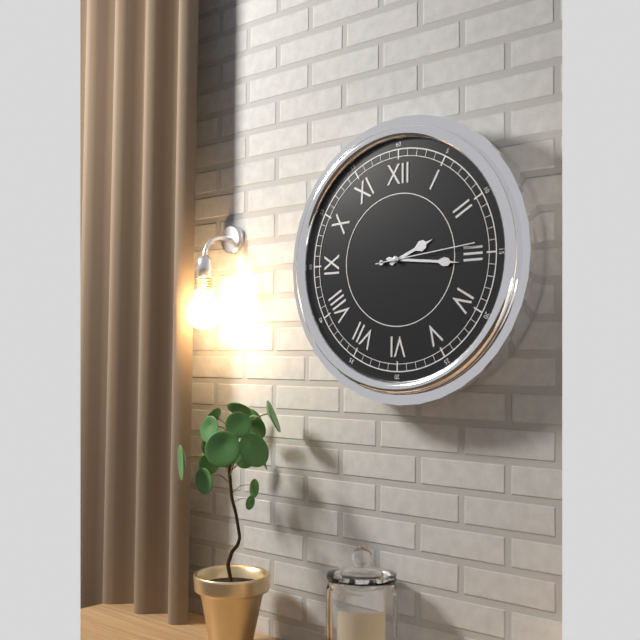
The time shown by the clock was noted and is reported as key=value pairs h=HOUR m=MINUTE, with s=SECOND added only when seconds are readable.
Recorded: h=2 m=16 s=14
